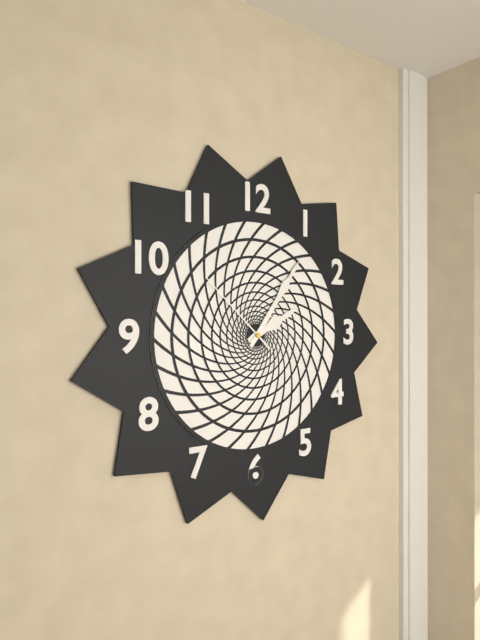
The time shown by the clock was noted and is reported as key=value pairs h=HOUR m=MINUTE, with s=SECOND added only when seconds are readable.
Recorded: h=2 m=6 s=52
